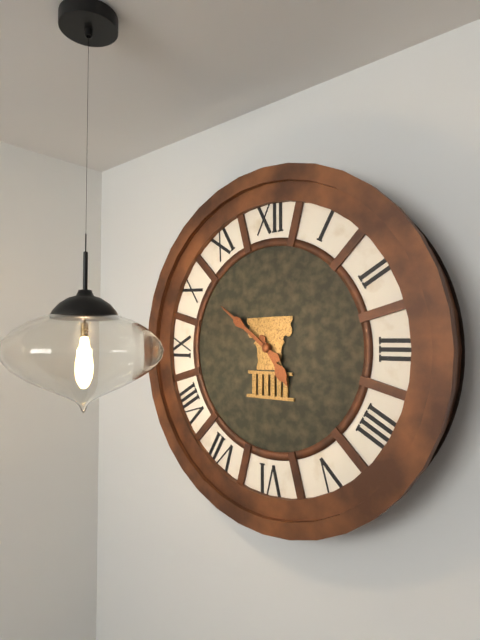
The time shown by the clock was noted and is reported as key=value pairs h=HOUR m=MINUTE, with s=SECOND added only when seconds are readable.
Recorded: h=4 m=51
